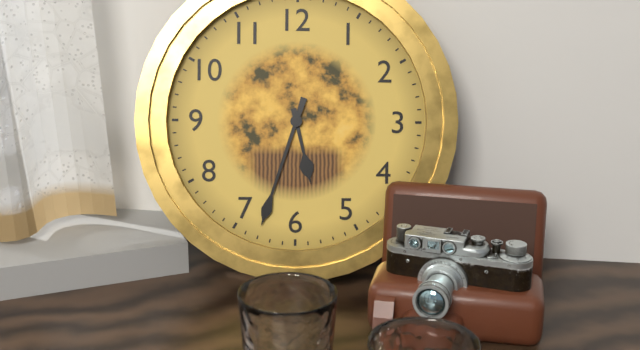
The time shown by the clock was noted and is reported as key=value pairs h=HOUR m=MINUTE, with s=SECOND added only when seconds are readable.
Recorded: h=5 m=33
